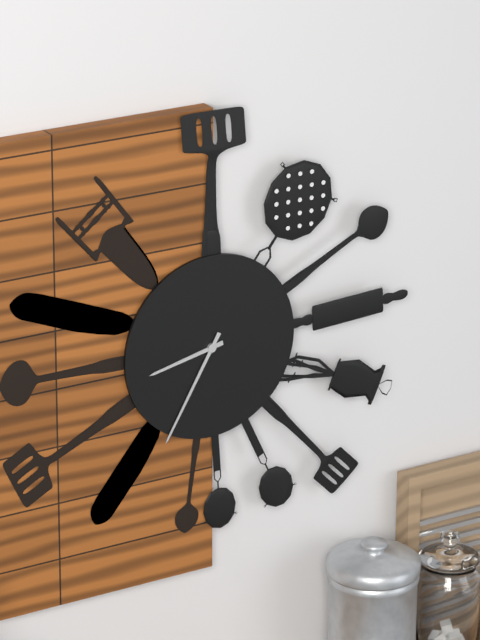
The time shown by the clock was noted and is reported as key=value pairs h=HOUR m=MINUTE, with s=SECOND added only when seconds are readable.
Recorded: h=8 m=35
